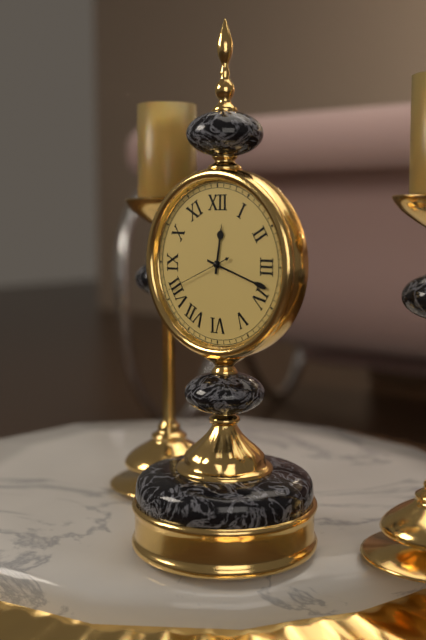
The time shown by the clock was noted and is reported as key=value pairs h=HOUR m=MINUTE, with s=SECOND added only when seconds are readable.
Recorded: h=12 m=18 s=41
